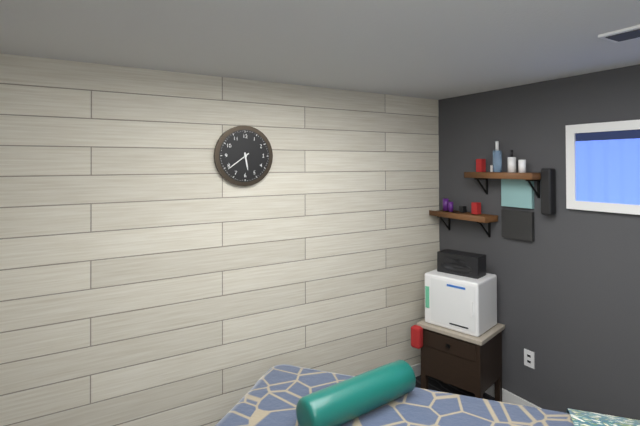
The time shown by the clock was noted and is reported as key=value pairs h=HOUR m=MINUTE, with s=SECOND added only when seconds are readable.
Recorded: h=5 m=39
